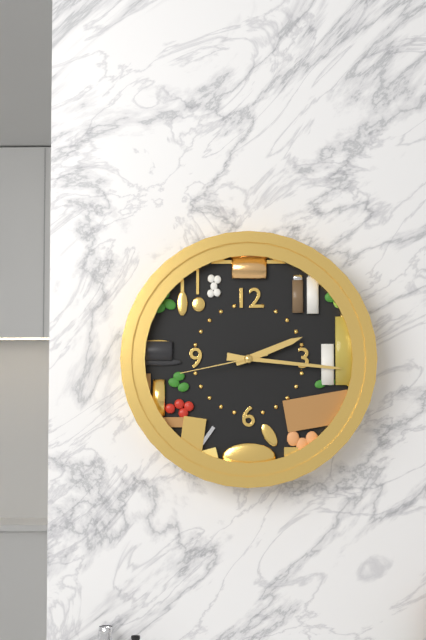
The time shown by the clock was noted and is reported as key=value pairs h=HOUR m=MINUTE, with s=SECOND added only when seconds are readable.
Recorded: h=2 m=16 s=43
